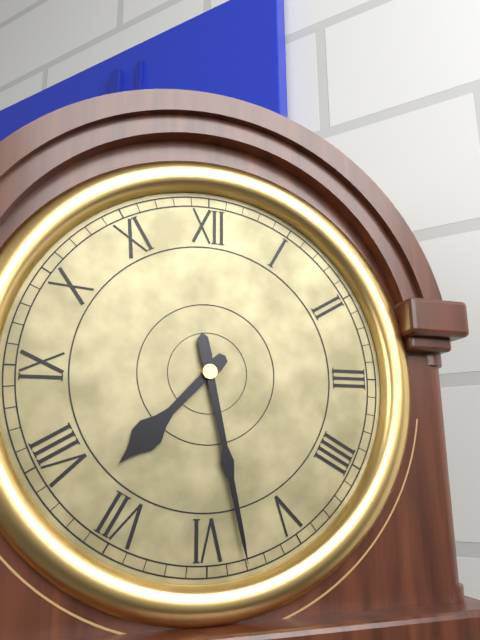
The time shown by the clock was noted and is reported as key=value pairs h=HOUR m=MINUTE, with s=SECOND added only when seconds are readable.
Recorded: h=7 m=28
